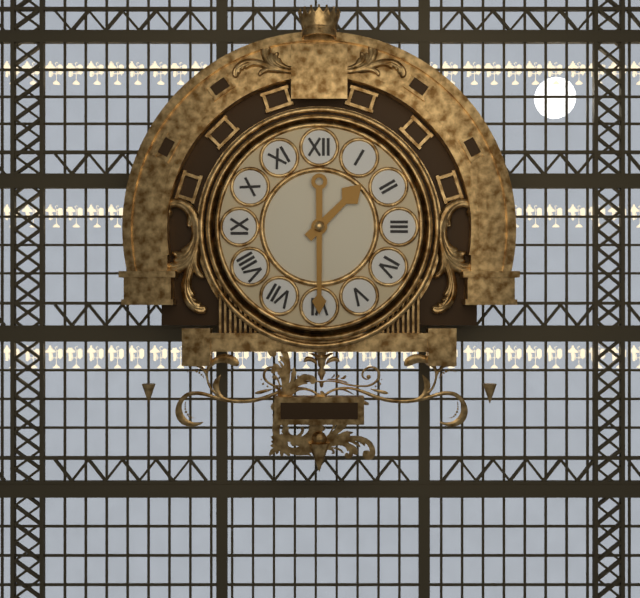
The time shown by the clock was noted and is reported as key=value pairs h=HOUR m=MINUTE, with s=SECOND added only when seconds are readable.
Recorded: h=1 m=30
